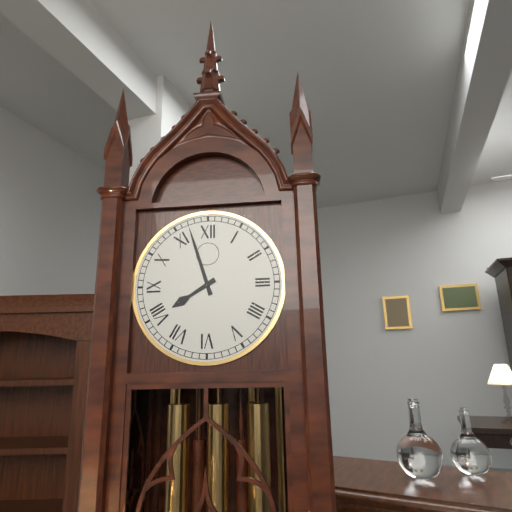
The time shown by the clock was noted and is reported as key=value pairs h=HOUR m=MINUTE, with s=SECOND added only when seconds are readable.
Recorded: h=7 m=57
